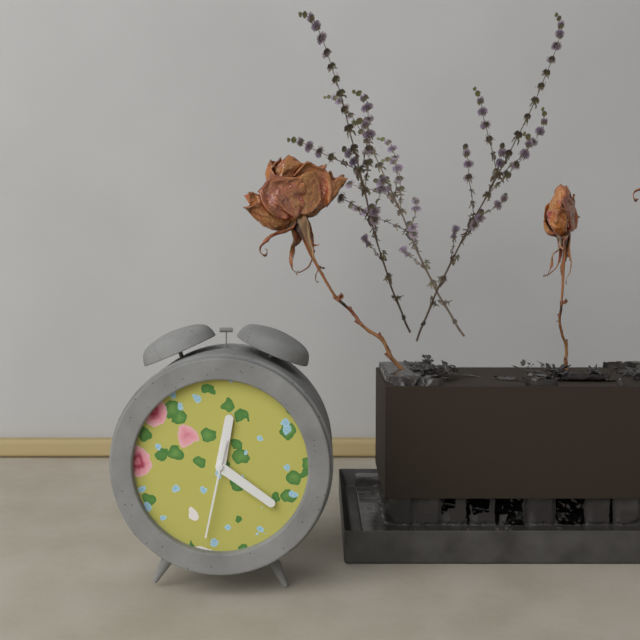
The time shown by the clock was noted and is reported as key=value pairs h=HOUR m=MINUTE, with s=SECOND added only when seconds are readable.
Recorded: h=12 m=21 s=32
